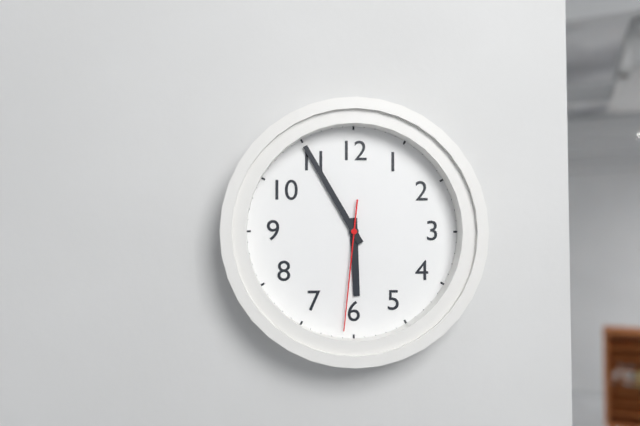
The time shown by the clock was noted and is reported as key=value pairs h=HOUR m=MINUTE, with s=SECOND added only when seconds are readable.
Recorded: h=5 m=55 s=31
